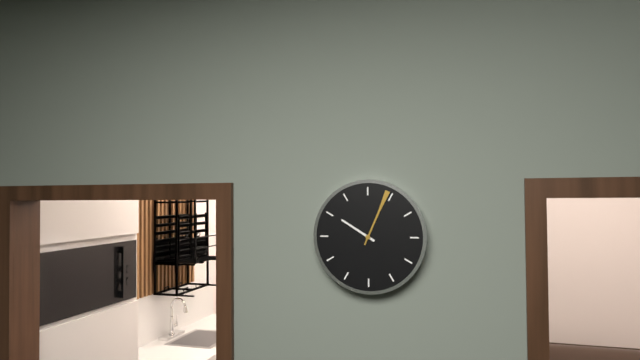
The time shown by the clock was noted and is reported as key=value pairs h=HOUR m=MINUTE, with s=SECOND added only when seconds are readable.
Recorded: h=10 m=4
